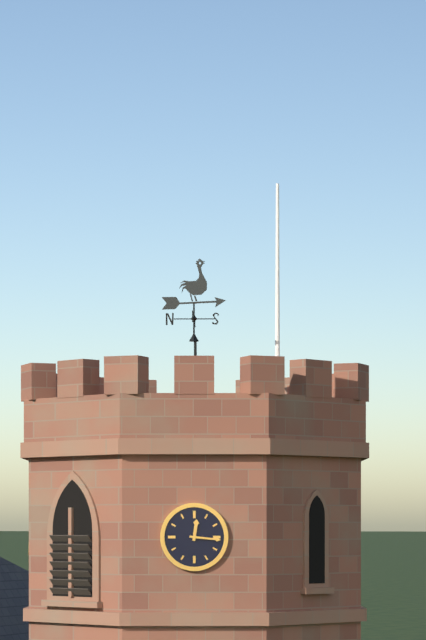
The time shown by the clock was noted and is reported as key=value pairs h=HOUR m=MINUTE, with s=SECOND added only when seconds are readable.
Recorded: h=12 m=16
